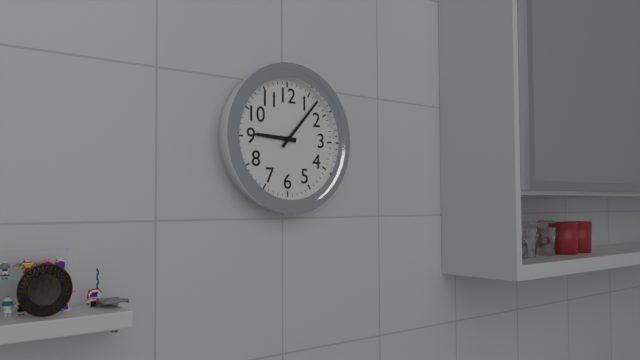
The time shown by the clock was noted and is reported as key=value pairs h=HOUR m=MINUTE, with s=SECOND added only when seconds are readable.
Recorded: h=9 m=7
